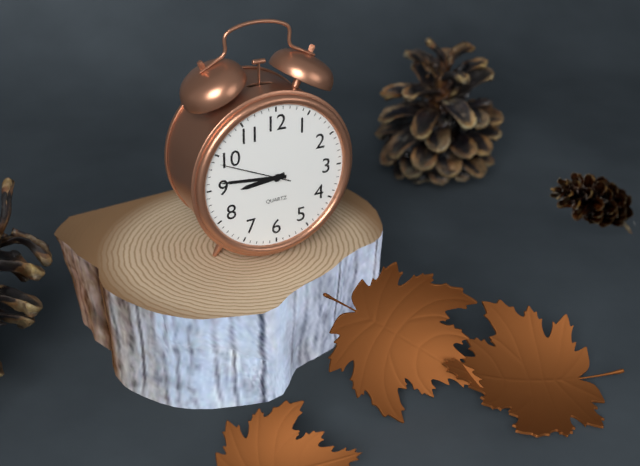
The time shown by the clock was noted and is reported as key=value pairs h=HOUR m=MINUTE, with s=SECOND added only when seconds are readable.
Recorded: h=8 m=46 s=49
